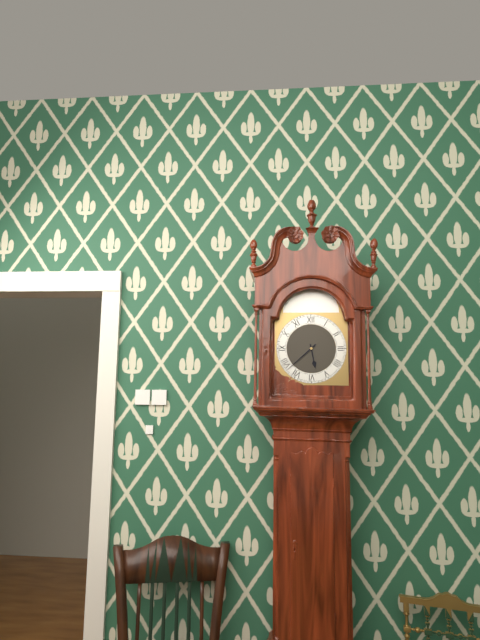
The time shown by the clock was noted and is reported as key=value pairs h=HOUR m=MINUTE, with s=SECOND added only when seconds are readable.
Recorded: h=5 m=38
